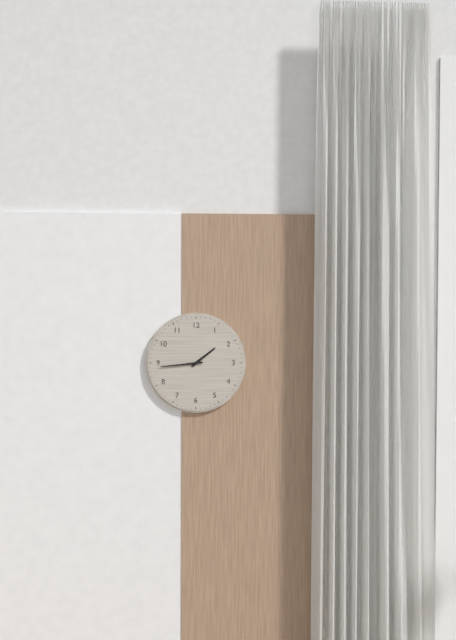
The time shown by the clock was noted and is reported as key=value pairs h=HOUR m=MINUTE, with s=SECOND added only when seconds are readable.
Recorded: h=1 m=44
